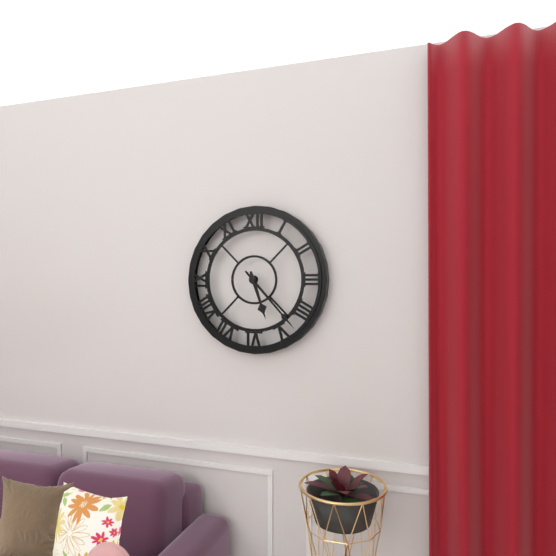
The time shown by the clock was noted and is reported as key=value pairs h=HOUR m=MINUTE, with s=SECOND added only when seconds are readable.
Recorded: h=5 m=23
